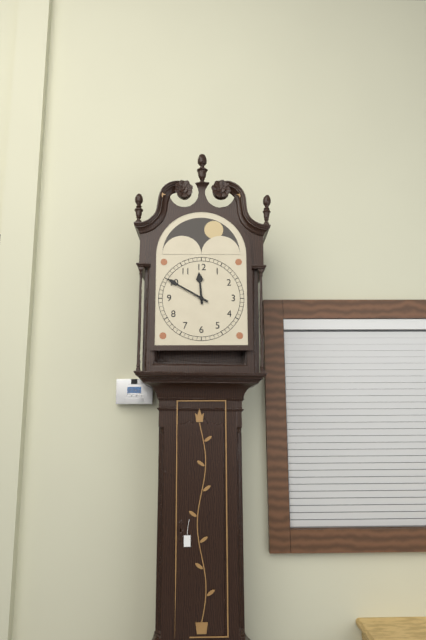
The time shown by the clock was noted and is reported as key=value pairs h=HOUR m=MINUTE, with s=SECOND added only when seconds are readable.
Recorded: h=11 m=50
